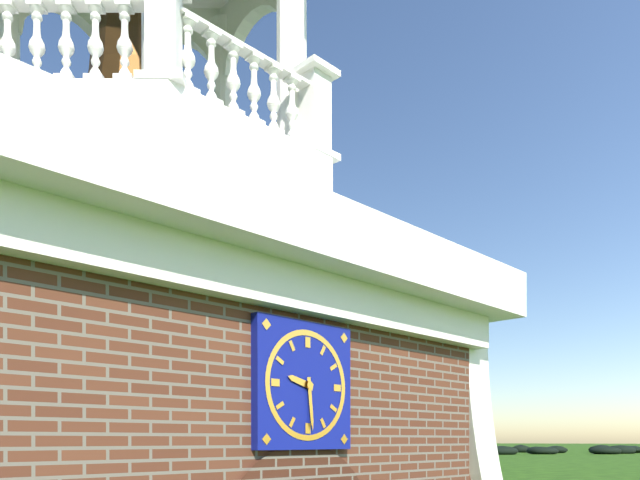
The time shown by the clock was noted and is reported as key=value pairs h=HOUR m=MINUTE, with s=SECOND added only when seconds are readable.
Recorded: h=9 m=29
